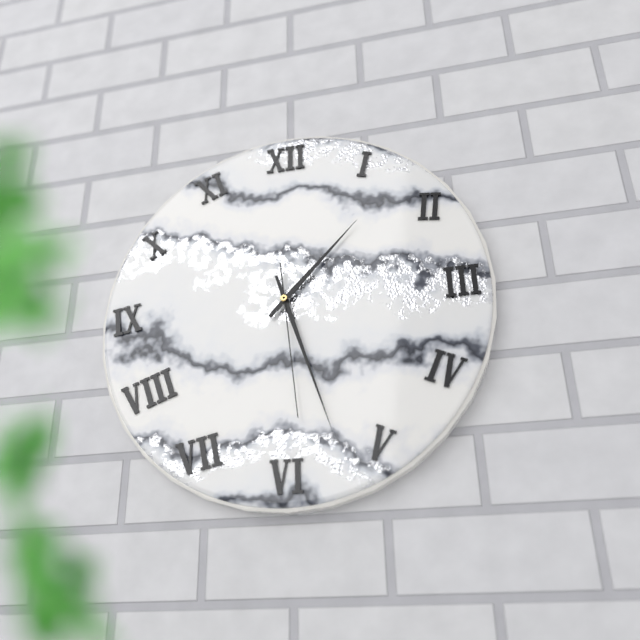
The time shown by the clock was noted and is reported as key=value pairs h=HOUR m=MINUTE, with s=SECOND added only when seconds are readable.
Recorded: h=1 m=27 s=29
